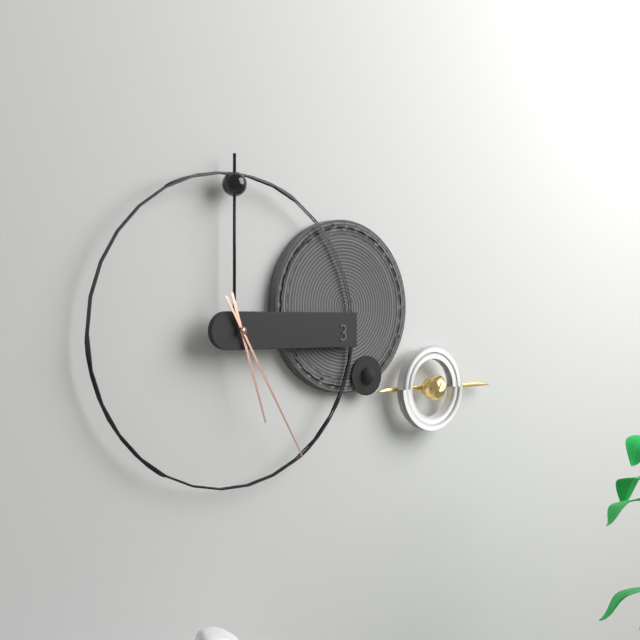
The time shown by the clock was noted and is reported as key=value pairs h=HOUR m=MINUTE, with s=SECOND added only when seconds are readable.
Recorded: h=5 m=25
